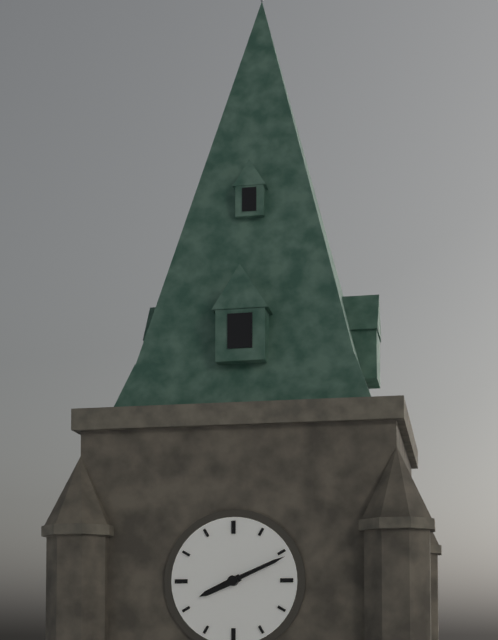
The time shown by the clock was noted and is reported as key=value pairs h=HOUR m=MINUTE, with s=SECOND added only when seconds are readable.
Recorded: h=8 m=11
